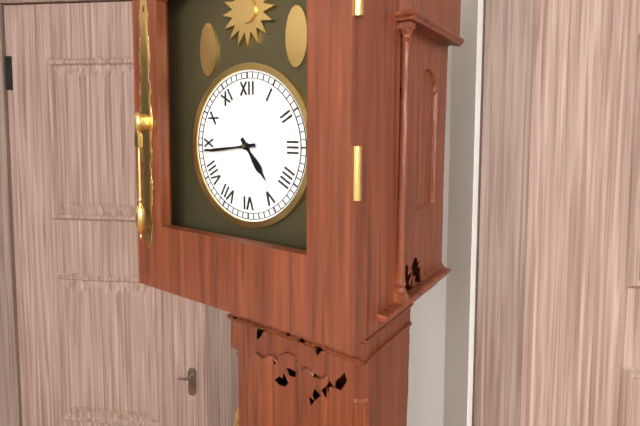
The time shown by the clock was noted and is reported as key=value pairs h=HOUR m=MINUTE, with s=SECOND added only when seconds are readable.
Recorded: h=4 m=44
